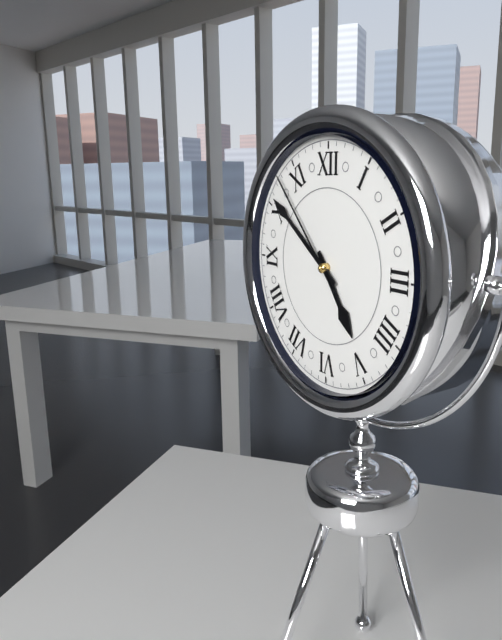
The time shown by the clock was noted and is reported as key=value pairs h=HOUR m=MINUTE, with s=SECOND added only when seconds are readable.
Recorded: h=4 m=51 s=53
